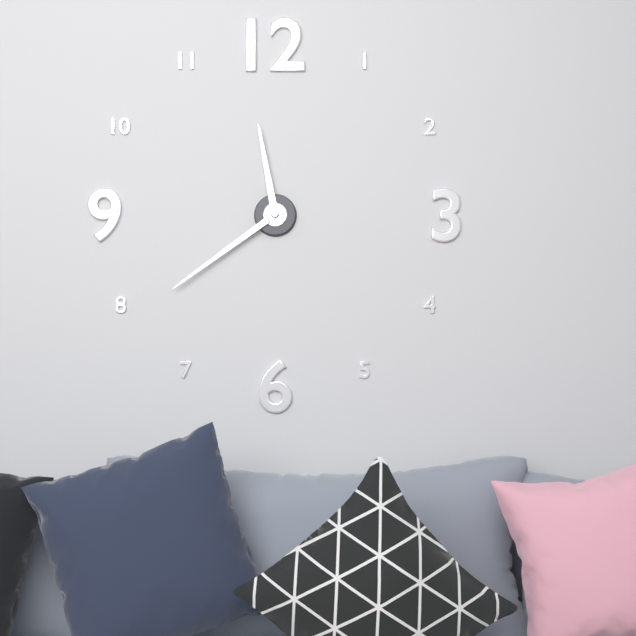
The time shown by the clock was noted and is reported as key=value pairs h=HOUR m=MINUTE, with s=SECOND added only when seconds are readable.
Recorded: h=11 m=39
